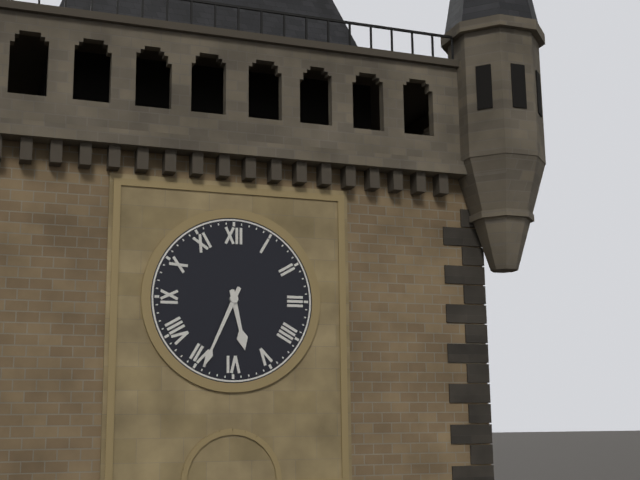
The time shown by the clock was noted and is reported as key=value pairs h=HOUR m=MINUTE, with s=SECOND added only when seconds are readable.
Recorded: h=5 m=34
